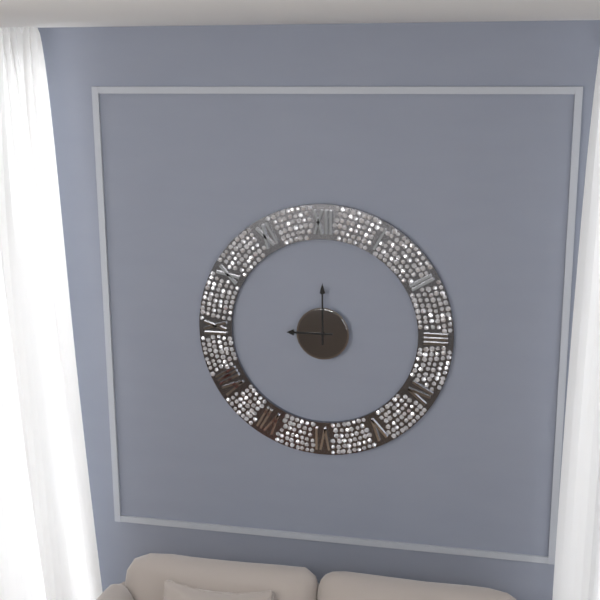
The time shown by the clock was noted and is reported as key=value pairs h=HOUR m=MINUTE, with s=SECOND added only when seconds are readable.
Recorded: h=9 m=0
